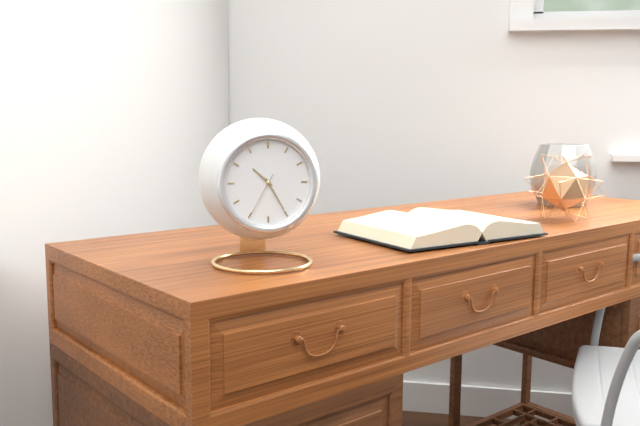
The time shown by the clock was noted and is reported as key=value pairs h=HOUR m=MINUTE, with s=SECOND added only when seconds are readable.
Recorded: h=10 m=25 s=35
